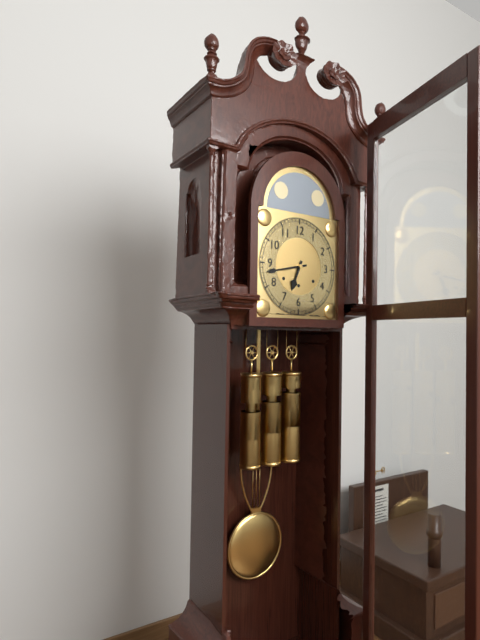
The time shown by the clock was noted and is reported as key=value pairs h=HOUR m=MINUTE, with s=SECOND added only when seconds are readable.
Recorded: h=6 m=43
